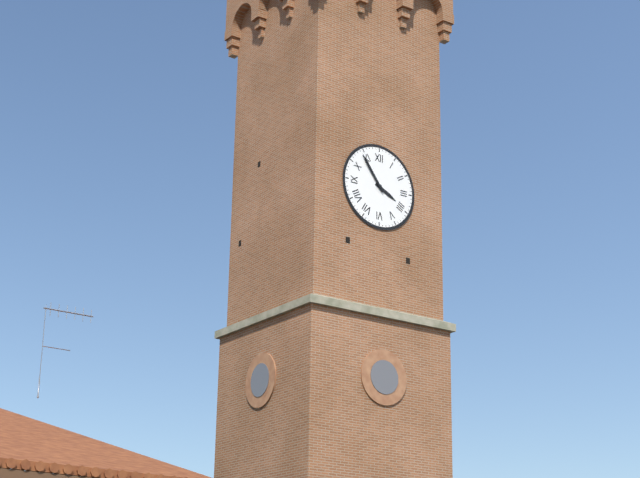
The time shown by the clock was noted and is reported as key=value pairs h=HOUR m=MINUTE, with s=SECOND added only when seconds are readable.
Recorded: h=3 m=54
